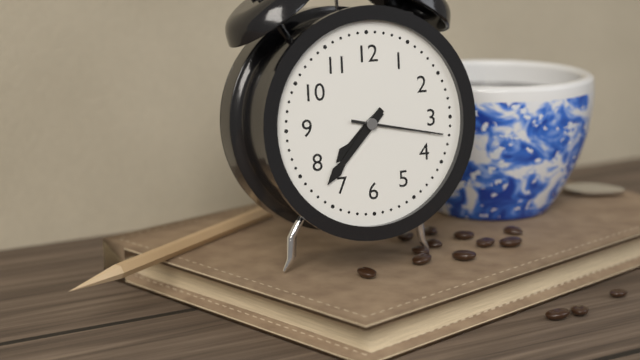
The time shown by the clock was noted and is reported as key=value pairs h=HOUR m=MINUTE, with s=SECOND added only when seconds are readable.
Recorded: h=7 m=37 s=17
